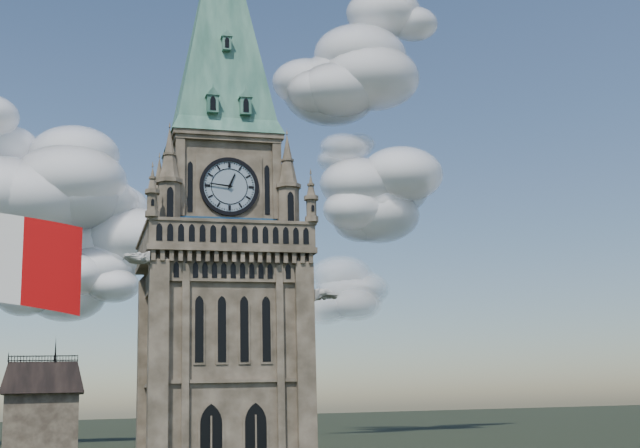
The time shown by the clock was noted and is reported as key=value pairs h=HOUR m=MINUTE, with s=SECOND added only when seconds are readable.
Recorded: h=12 m=46
